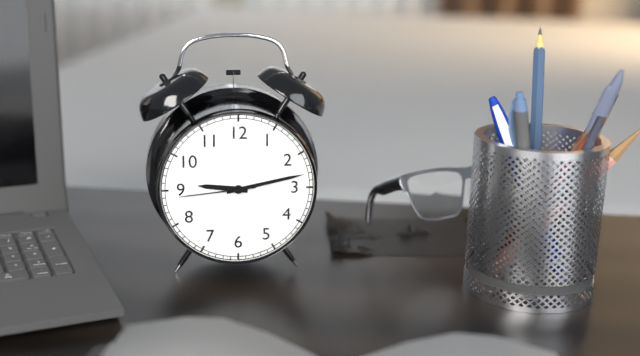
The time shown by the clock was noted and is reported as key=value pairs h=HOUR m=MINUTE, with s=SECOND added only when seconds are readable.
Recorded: h=9 m=13 s=44
